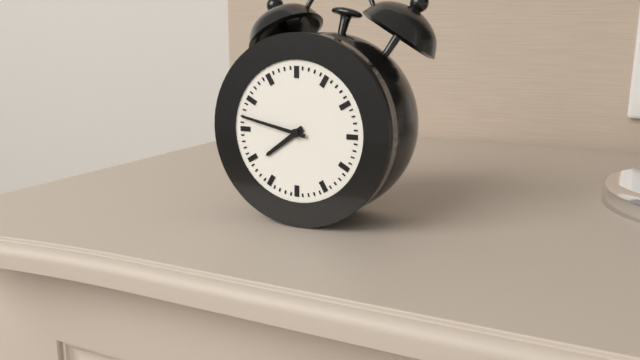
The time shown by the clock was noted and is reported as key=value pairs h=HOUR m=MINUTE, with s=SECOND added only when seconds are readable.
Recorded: h=7 m=47
